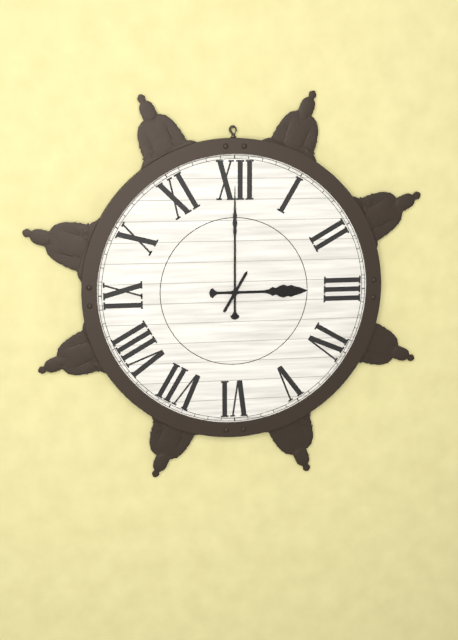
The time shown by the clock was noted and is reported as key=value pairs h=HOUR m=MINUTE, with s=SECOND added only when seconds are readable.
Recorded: h=3 m=0
